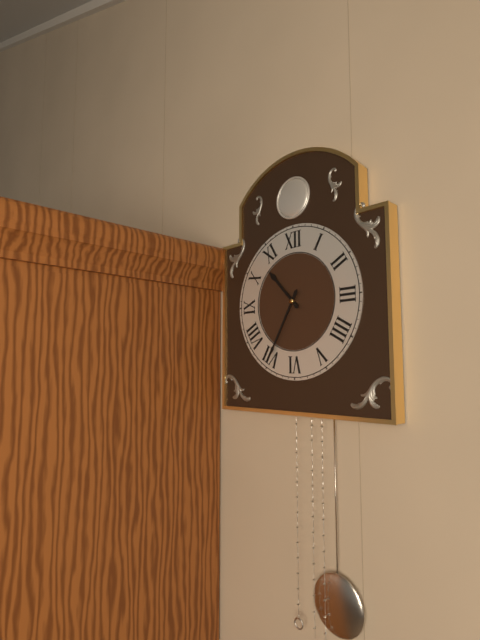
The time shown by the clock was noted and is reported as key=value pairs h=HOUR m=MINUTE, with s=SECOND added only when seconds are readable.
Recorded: h=10 m=35
